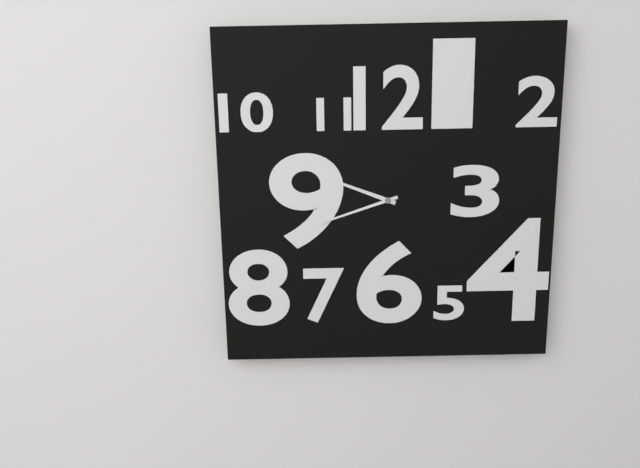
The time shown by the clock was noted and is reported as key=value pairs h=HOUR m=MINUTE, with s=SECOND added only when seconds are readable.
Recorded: h=9 m=42
